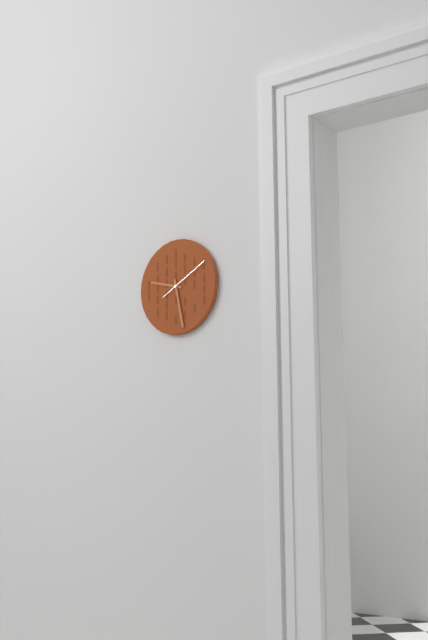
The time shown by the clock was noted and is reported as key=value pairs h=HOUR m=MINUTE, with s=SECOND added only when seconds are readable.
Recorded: h=9 m=28
